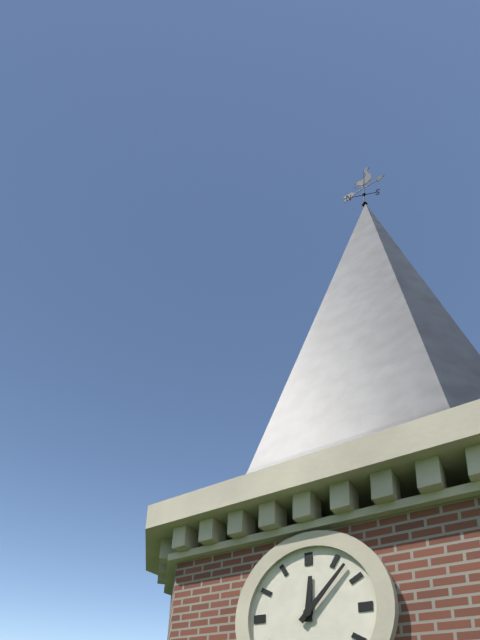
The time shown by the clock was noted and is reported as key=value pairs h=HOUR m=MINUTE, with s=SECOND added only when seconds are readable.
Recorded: h=12 m=7
